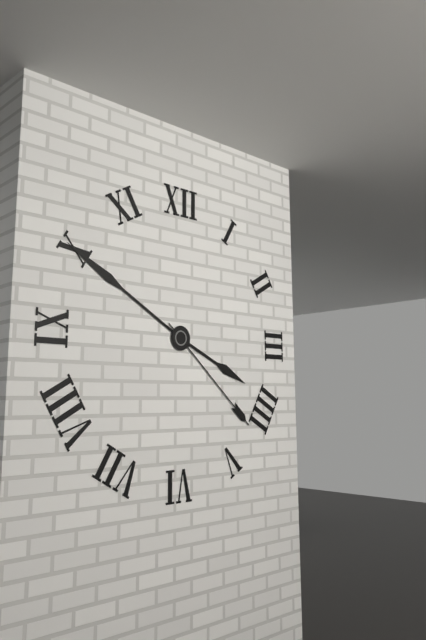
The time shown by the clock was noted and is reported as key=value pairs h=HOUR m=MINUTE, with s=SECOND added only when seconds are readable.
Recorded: h=3 m=50 s=22
